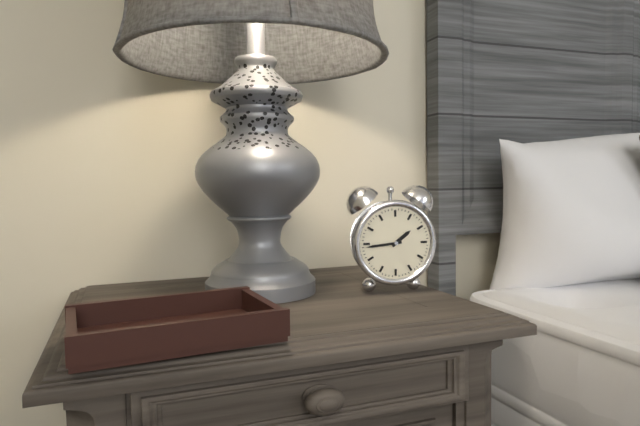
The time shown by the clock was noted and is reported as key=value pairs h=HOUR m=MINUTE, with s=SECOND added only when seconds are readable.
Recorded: h=1 m=44
